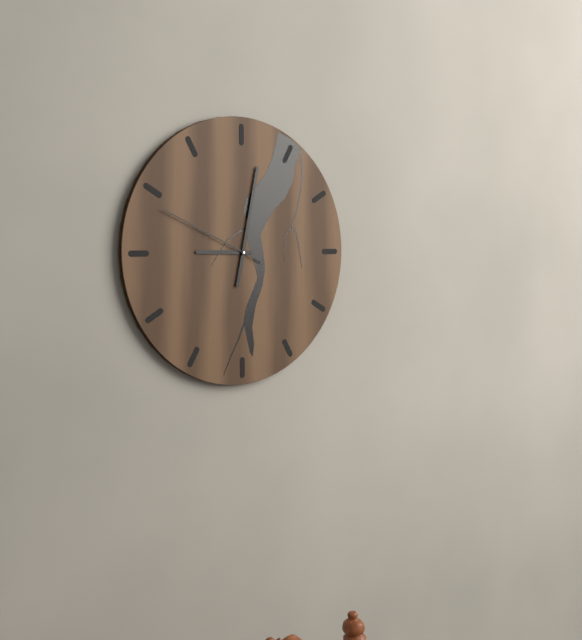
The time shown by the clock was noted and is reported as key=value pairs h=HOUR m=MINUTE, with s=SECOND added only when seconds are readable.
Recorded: h=9 m=2 s=49
